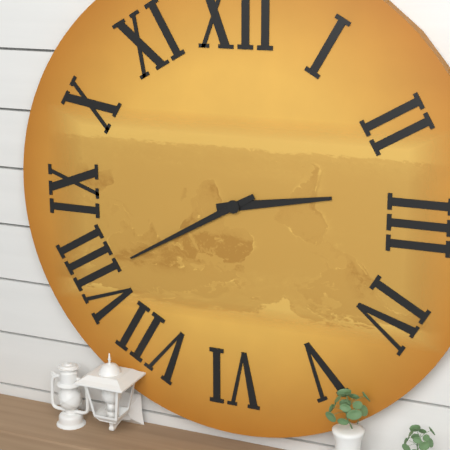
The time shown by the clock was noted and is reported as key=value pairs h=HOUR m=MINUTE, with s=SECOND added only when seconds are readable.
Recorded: h=2 m=40
